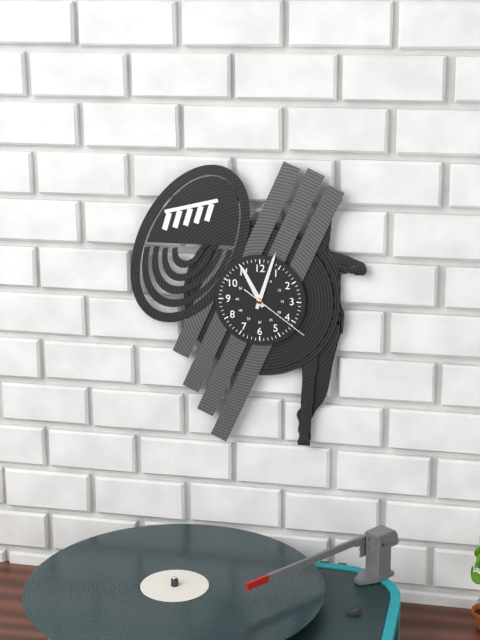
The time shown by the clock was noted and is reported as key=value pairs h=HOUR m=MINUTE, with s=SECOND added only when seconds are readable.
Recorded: h=11 m=3 s=21
